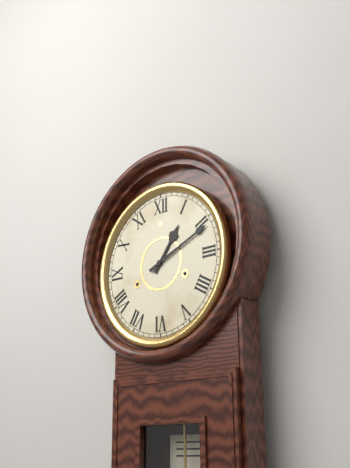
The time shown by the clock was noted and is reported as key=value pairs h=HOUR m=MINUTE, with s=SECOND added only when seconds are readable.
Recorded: h=1 m=11
